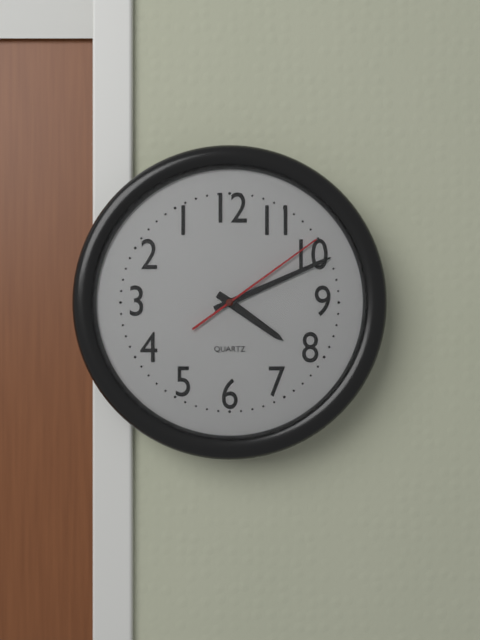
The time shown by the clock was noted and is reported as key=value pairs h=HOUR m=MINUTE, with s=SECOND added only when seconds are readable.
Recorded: h=4 m=11 s=9
